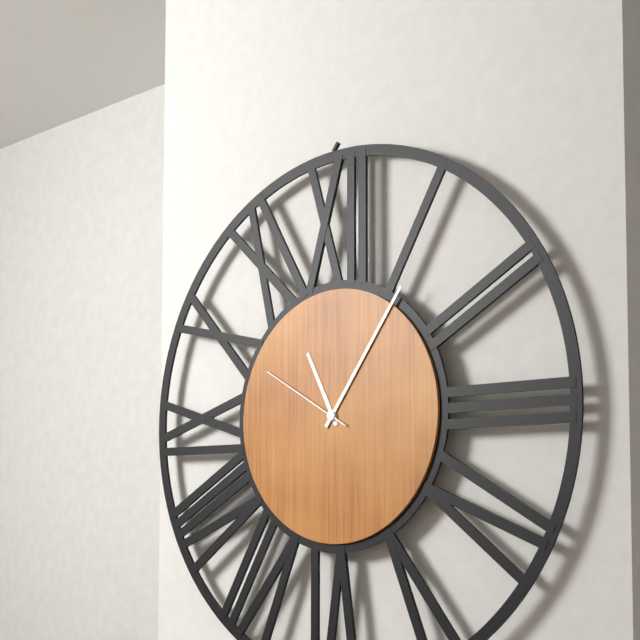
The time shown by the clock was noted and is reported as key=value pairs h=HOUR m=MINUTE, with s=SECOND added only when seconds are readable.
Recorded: h=11 m=6 s=50
